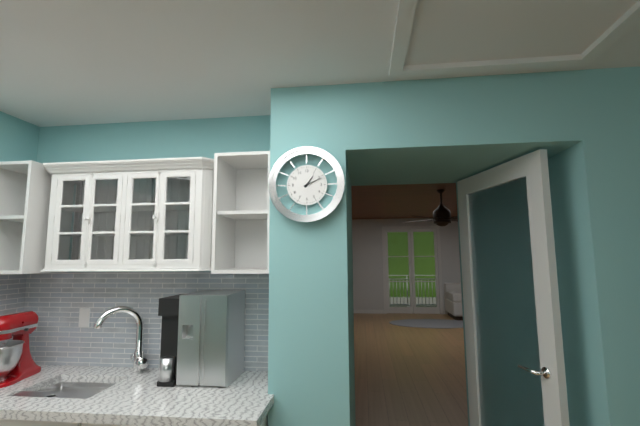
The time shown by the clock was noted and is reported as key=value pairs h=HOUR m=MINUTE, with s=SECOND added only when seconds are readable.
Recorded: h=1 m=11
